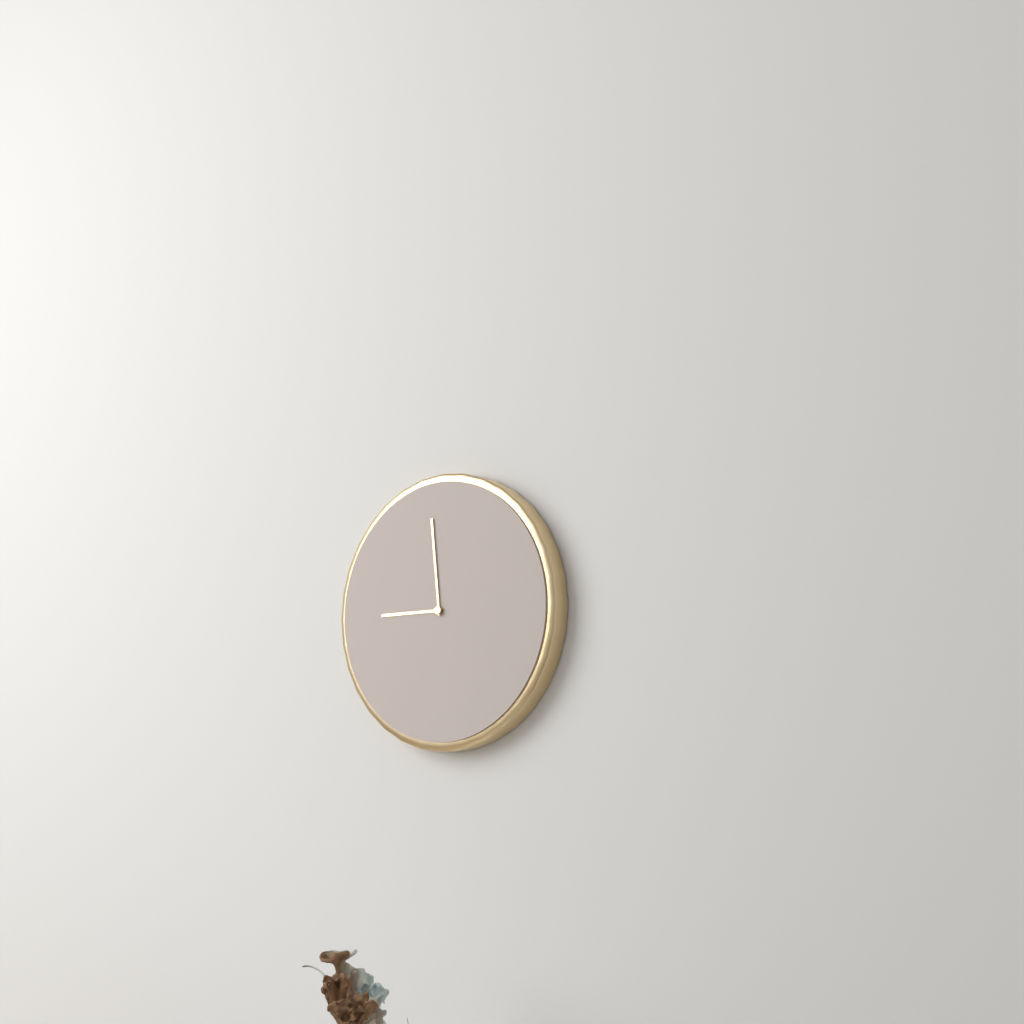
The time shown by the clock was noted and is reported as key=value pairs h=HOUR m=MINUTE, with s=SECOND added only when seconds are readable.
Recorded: h=8 m=59
